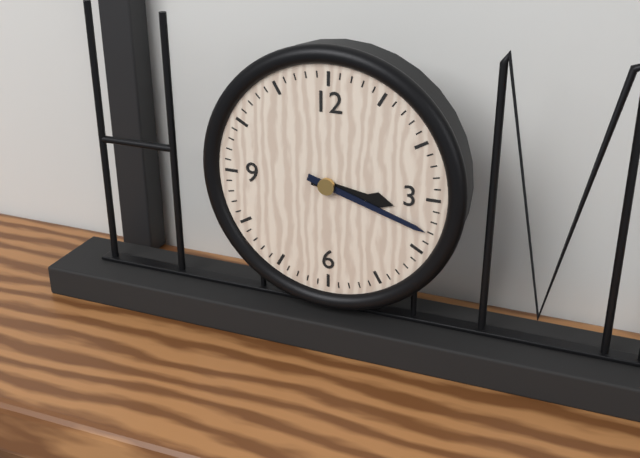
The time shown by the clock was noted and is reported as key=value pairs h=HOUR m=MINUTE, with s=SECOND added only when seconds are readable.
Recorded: h=3 m=18
